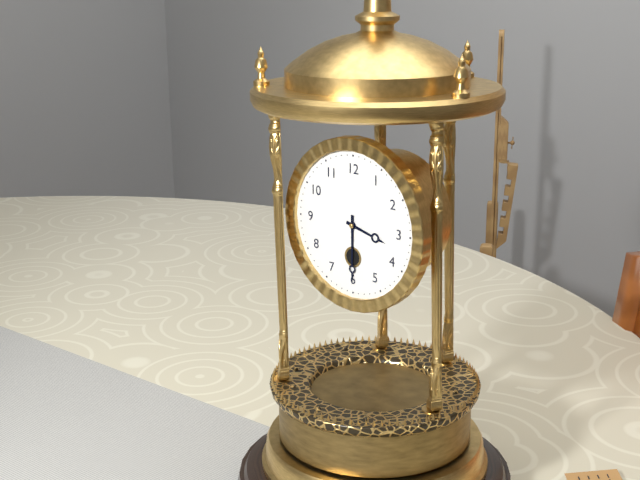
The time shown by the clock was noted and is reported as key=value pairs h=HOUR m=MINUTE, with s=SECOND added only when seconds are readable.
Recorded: h=3 m=30
